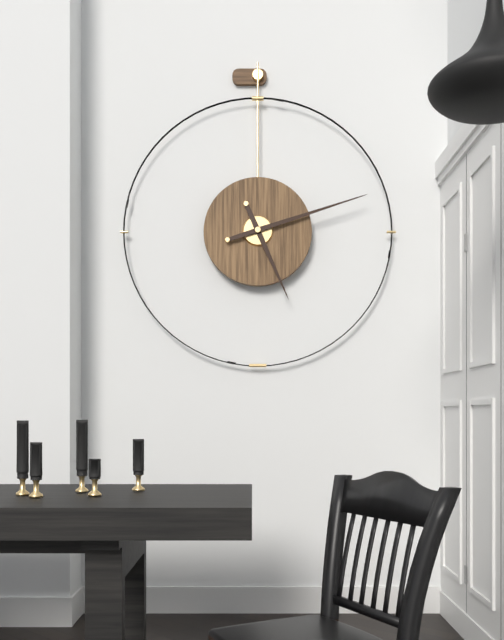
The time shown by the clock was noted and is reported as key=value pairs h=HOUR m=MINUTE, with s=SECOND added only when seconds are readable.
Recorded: h=5 m=12
